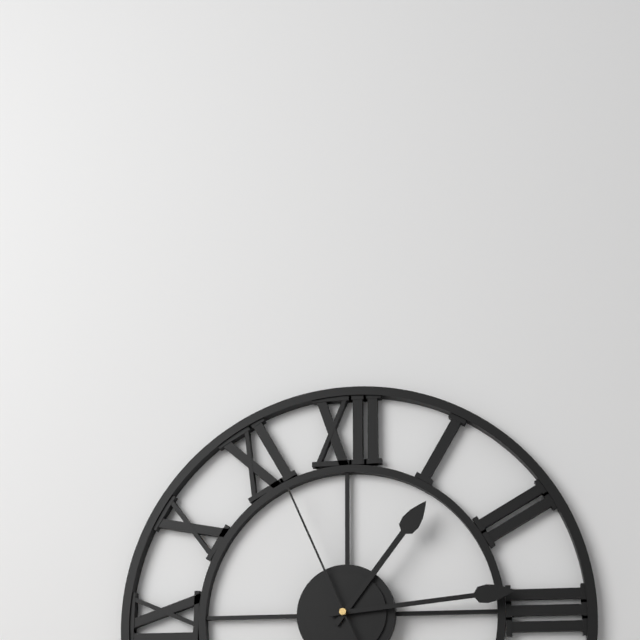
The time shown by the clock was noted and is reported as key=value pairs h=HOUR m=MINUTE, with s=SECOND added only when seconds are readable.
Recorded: h=1 m=14 s=56
